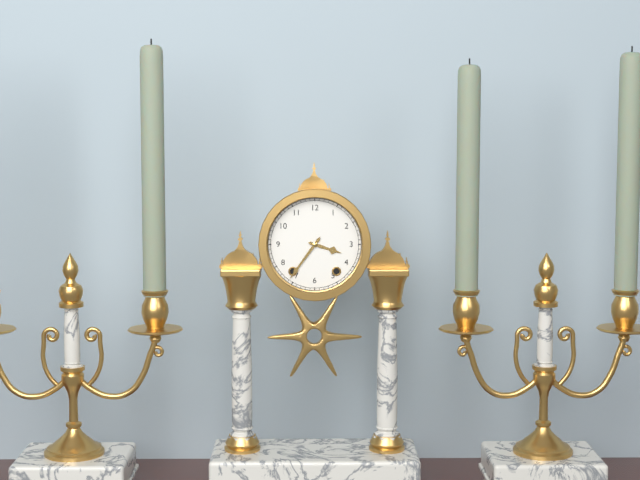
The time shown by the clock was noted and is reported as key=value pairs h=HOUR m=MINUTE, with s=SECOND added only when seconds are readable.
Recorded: h=3 m=36
